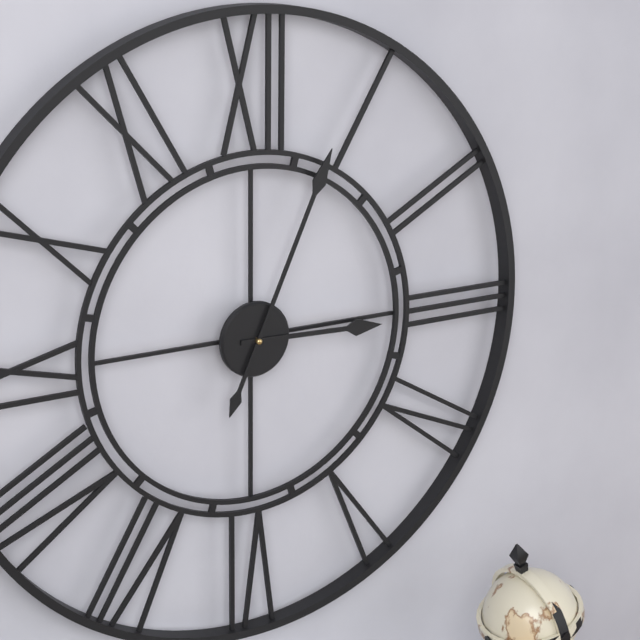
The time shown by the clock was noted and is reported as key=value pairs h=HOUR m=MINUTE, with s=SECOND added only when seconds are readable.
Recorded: h=3 m=4
